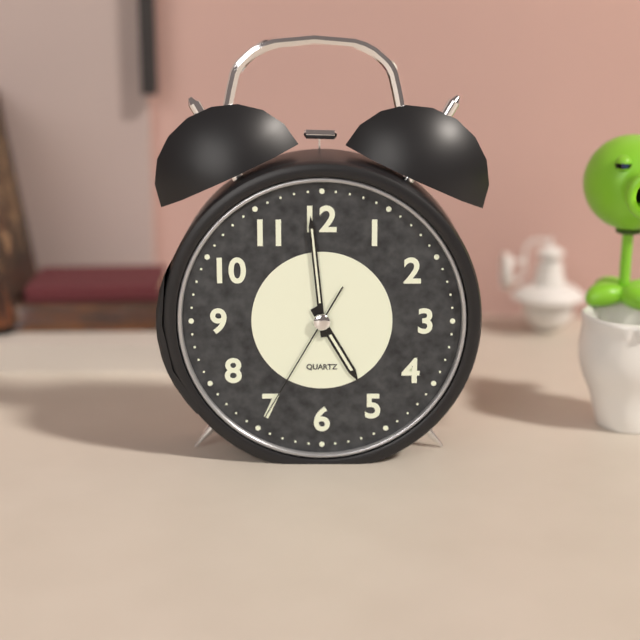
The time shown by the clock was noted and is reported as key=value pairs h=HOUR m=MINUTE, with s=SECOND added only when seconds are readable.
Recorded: h=4 m=59 s=35
